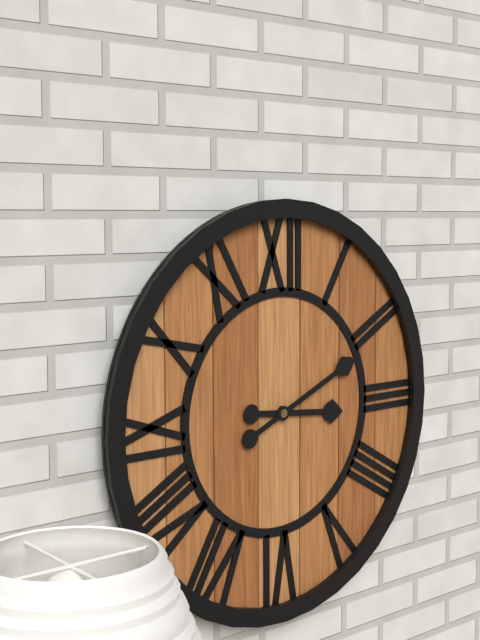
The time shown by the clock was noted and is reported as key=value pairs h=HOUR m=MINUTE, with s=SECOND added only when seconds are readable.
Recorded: h=3 m=11
